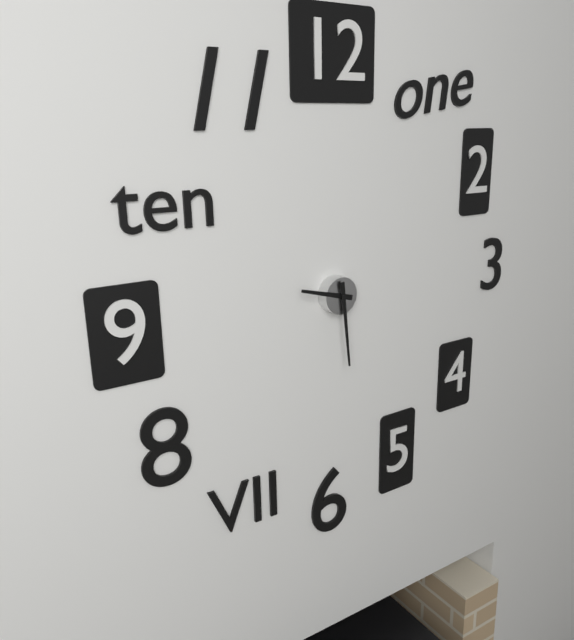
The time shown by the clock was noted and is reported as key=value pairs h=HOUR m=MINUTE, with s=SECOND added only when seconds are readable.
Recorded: h=9 m=29
